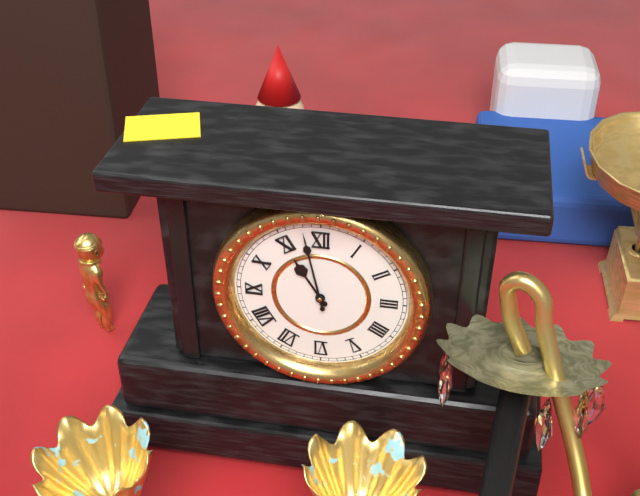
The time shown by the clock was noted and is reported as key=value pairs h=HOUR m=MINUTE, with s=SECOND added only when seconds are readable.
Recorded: h=10 m=58
